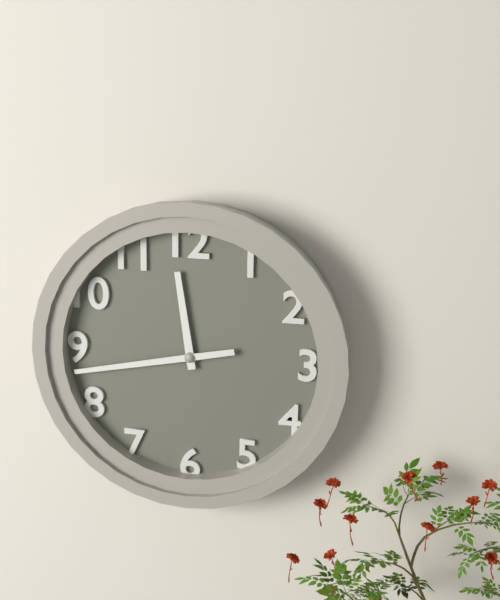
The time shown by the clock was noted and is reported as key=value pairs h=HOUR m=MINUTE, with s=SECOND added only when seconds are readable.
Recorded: h=11 m=43
